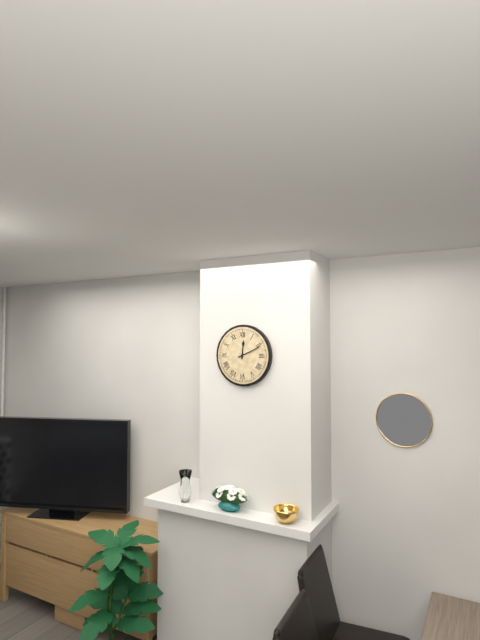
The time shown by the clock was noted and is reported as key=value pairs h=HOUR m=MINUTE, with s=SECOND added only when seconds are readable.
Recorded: h=12 m=11
